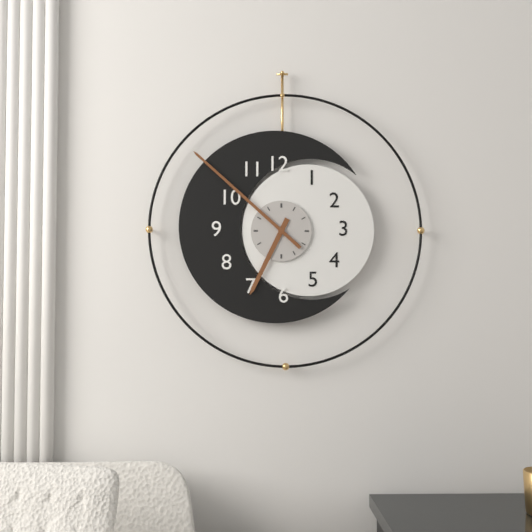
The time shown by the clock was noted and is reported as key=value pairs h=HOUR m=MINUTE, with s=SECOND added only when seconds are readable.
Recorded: h=6 m=52
